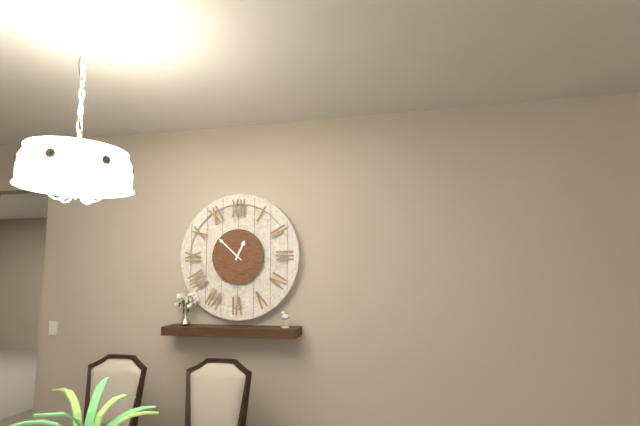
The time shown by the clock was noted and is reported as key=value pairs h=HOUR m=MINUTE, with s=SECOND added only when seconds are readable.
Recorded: h=12 m=52
